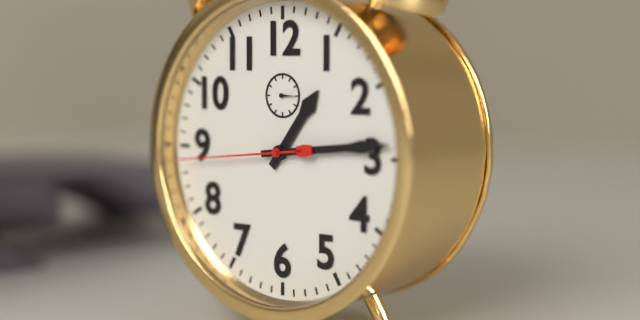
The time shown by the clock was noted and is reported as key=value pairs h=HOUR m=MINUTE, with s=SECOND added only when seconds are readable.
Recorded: h=1 m=14 s=44
